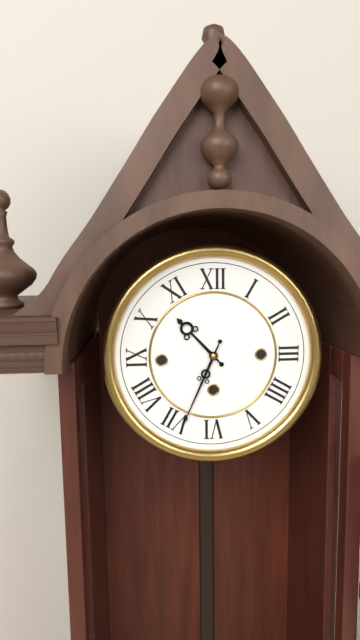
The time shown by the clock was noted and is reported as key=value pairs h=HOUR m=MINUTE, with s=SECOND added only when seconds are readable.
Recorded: h=10 m=34
